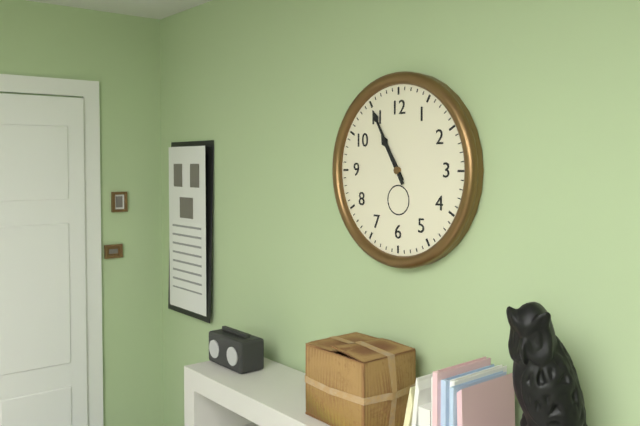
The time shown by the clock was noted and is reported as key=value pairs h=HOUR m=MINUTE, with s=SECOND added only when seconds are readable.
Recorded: h=10 m=55
